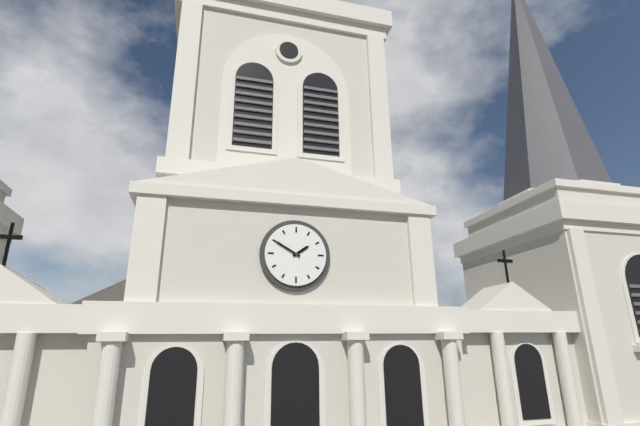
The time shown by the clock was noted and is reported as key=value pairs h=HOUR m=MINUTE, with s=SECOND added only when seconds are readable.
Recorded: h=1 m=50
